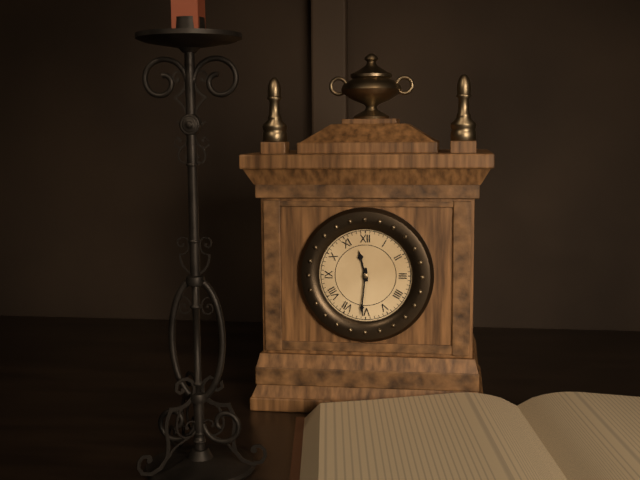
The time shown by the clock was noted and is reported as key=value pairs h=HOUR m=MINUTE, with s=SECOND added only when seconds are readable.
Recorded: h=11 m=31
